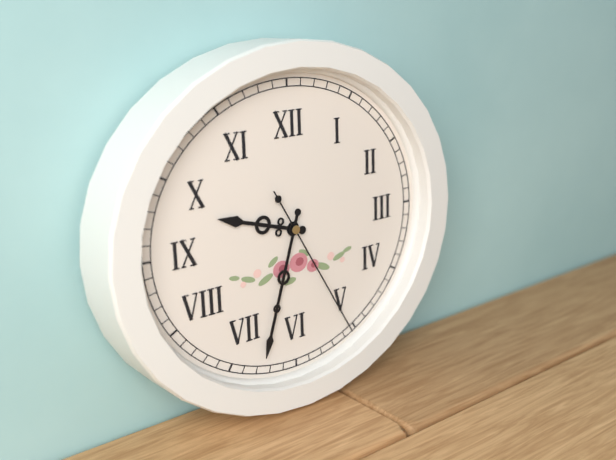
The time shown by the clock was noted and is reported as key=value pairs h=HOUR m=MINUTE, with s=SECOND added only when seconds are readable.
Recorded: h=9 m=33 s=25
